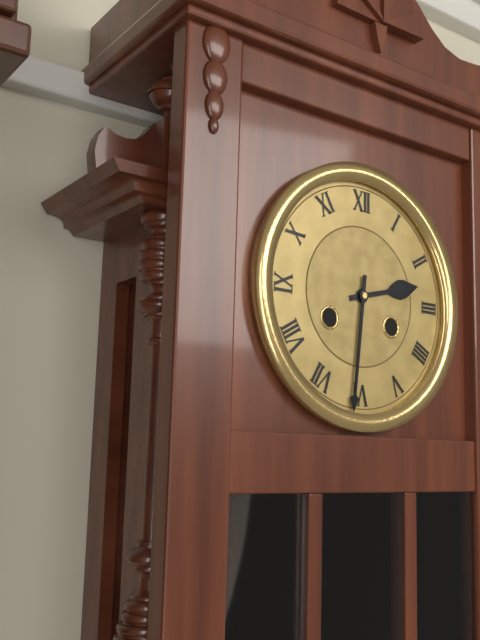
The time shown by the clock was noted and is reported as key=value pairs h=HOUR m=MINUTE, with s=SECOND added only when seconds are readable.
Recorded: h=2 m=31
